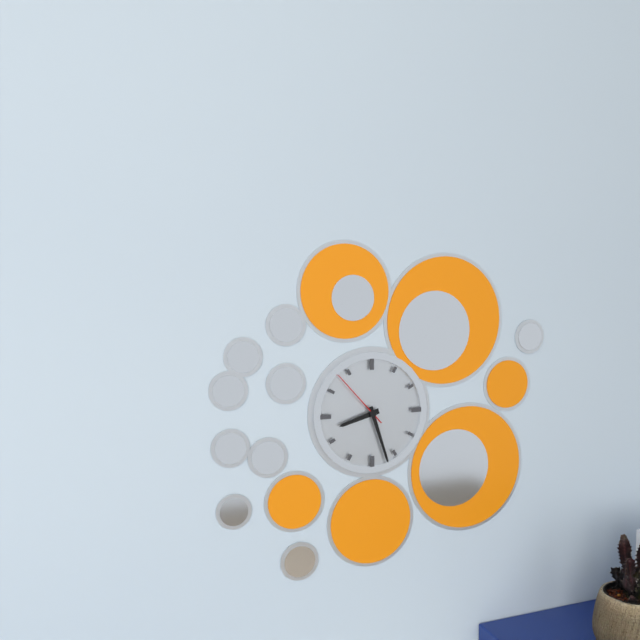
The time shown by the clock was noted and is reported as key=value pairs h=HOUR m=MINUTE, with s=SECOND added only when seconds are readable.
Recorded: h=8 m=27 s=53
